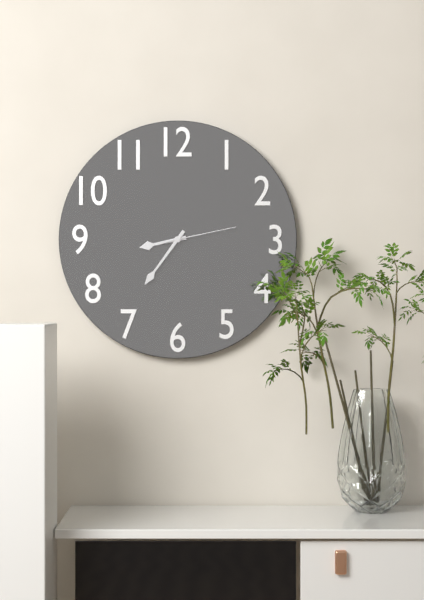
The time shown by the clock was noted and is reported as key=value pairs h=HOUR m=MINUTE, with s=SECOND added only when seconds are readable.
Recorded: h=8 m=36 s=13
